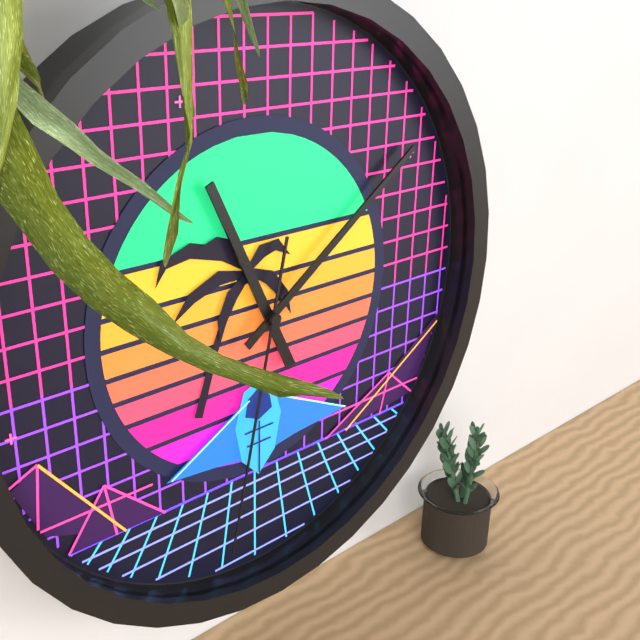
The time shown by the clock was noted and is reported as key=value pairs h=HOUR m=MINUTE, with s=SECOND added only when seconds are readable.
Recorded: h=11 m=9 s=32
